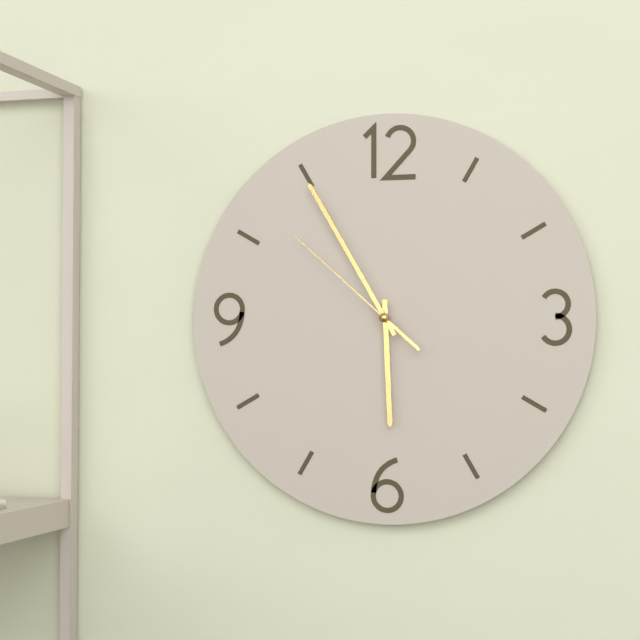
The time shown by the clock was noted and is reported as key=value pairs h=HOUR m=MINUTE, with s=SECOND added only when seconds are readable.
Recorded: h=5 m=55 s=52
